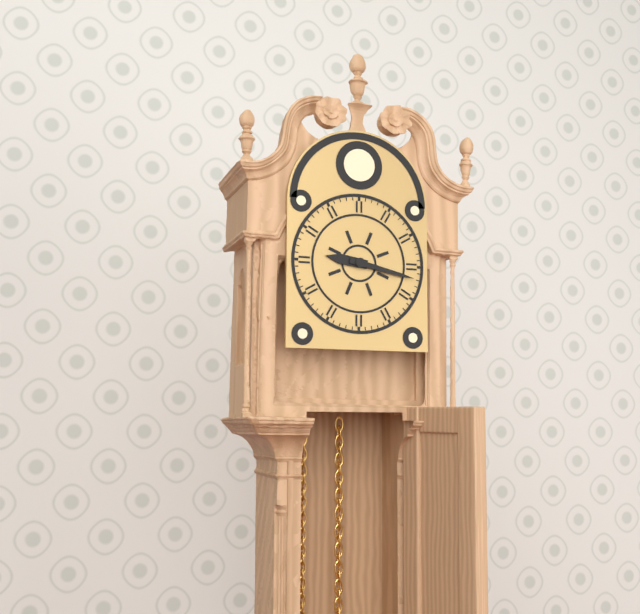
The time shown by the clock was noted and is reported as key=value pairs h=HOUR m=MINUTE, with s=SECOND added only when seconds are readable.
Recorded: h=9 m=17
